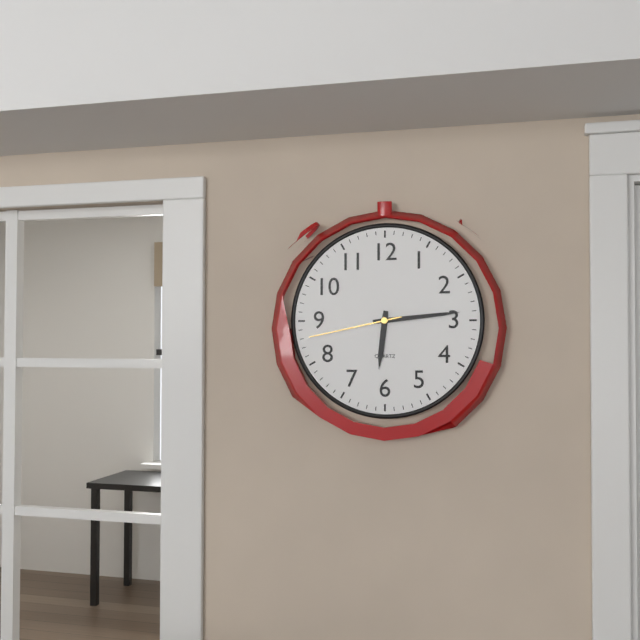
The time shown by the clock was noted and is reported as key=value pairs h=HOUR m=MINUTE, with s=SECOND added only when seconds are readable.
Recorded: h=6 m=14 s=43
